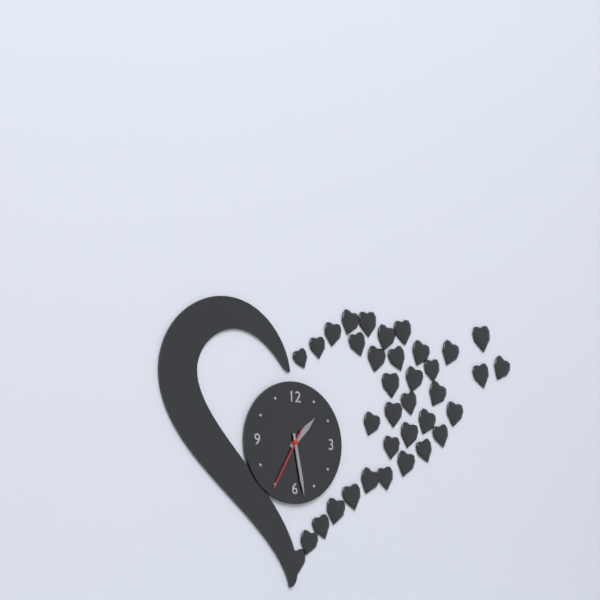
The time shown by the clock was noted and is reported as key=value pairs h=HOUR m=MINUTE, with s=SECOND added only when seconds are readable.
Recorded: h=1 m=28 s=35
